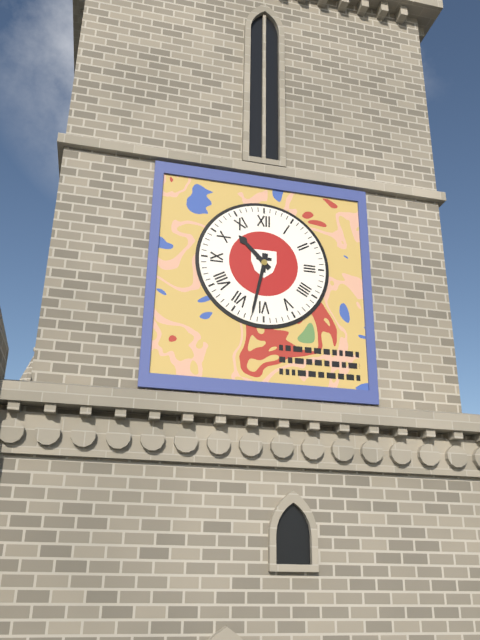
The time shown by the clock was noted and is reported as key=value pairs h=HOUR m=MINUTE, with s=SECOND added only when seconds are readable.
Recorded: h=10 m=32
